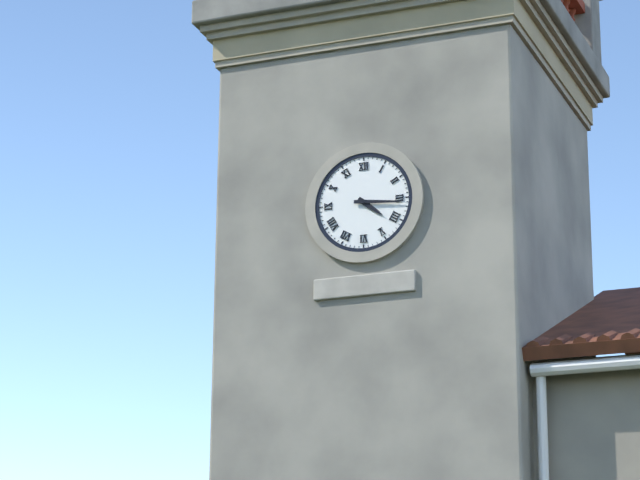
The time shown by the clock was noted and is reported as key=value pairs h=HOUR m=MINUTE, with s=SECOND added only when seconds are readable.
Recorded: h=4 m=16
